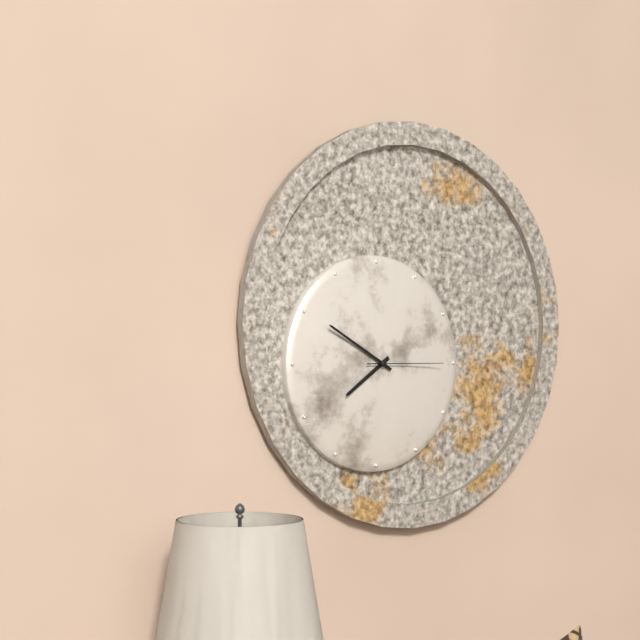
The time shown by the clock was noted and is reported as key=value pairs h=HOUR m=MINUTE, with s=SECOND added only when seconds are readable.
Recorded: h=7 m=50 s=15
